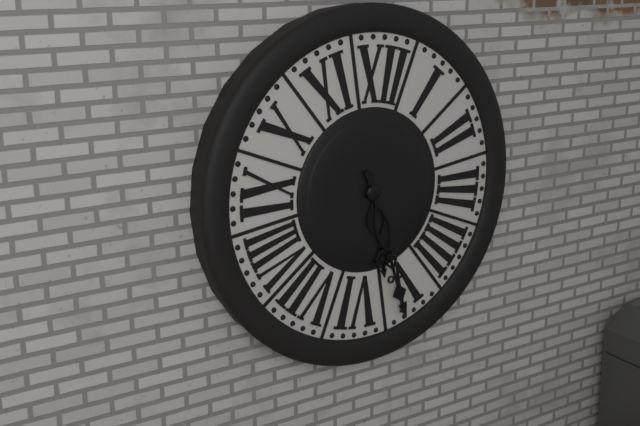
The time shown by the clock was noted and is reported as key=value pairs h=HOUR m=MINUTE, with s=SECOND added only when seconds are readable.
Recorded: h=5 m=26
